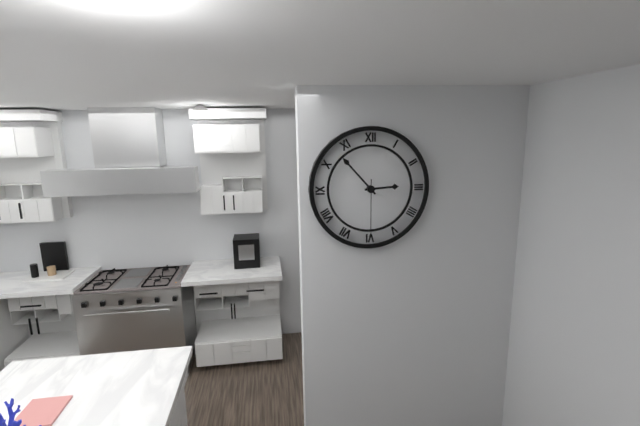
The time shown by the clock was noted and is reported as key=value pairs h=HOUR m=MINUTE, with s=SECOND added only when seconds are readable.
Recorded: h=2 m=53 s=30
